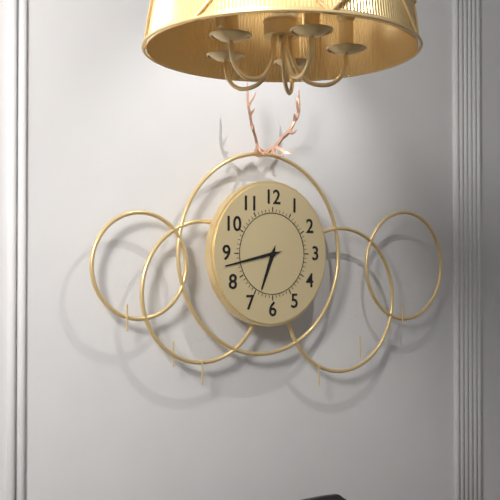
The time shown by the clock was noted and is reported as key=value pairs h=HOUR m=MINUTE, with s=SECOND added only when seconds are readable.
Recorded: h=6 m=43
